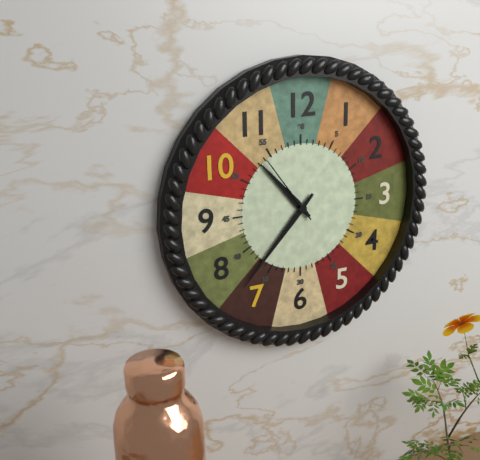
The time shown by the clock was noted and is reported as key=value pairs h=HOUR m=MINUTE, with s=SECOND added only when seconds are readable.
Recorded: h=10 m=37 s=54
